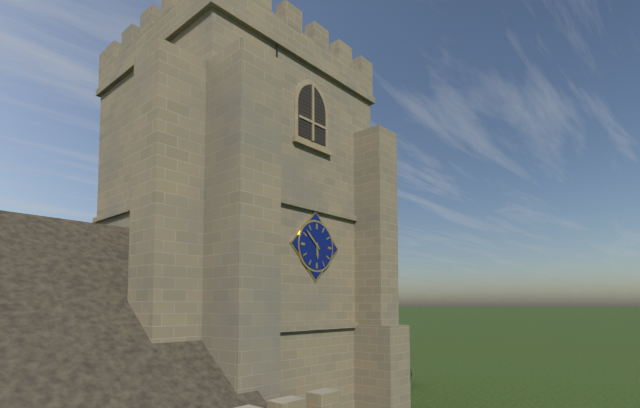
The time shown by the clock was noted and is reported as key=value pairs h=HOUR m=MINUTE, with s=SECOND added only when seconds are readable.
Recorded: h=5 m=52
